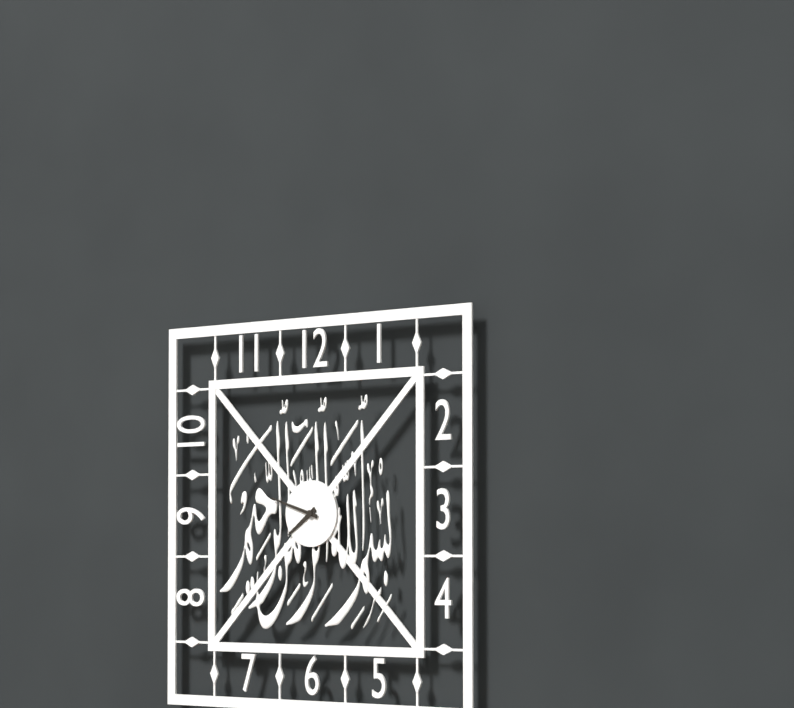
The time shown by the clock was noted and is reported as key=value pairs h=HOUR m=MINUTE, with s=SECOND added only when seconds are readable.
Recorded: h=7 m=48
